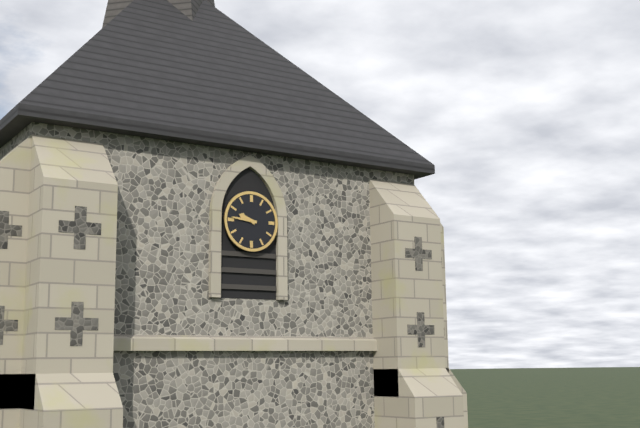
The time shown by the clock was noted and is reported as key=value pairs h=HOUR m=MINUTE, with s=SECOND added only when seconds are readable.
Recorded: h=9 m=46
